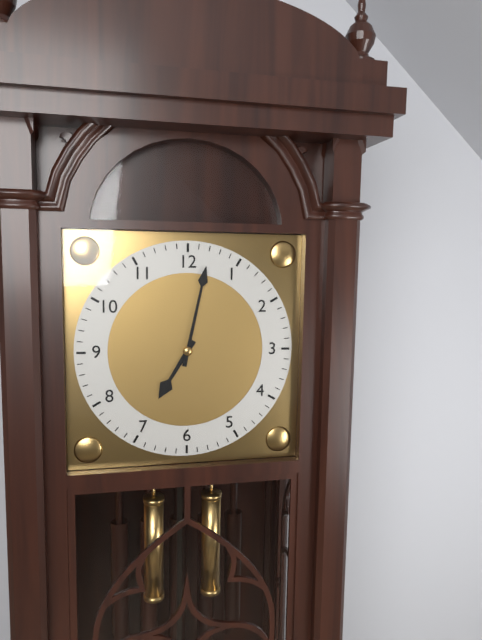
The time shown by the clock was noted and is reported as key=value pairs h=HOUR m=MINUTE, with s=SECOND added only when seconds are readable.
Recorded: h=7 m=2
